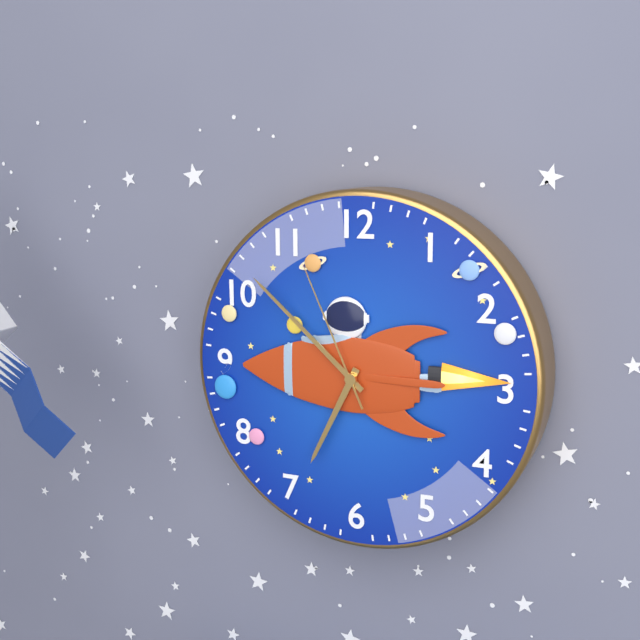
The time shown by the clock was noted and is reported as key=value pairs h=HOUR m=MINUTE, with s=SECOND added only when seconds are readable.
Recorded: h=6 m=52 s=56
